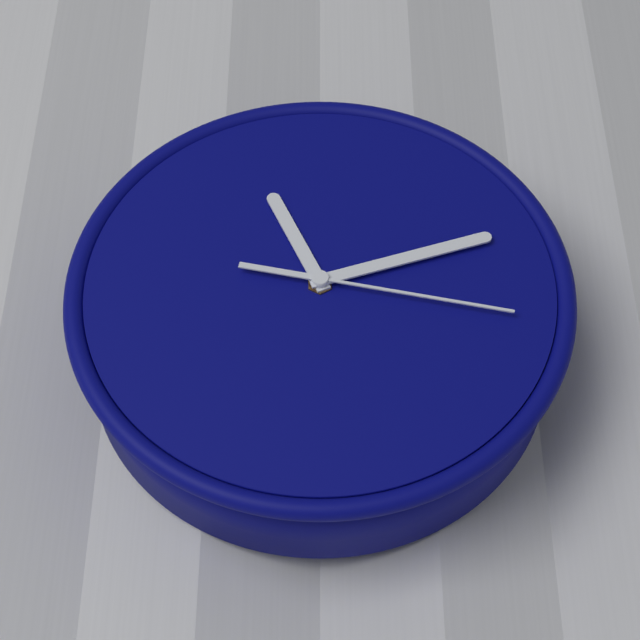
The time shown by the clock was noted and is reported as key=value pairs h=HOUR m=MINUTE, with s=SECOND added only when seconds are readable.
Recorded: h=11 m=12 s=17
